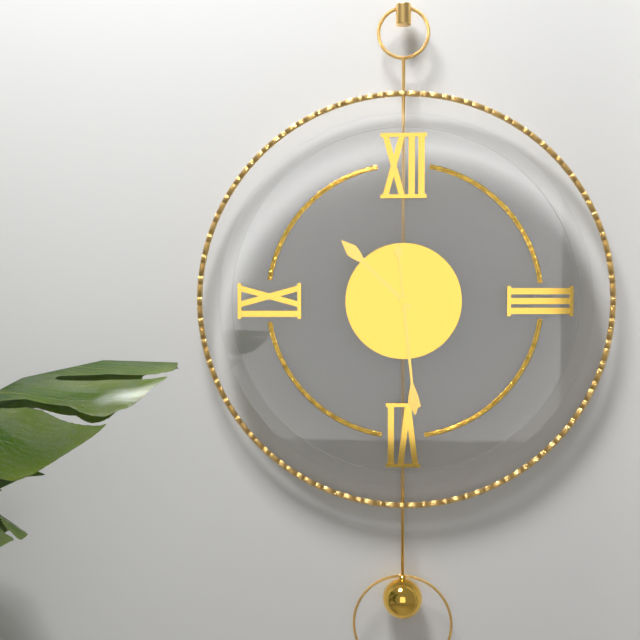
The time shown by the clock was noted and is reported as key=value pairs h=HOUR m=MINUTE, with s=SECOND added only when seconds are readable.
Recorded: h=10 m=29
